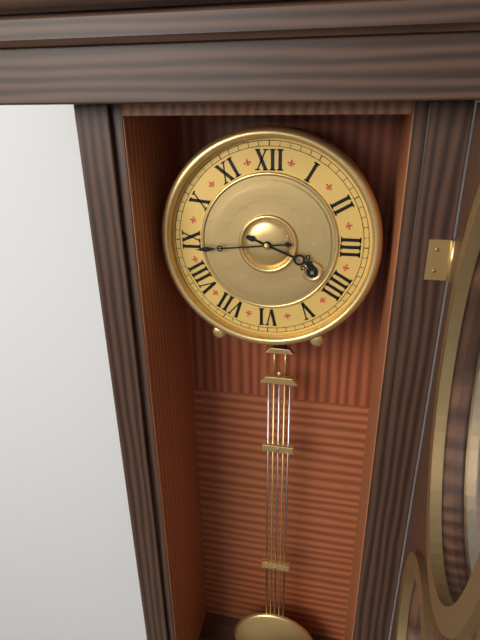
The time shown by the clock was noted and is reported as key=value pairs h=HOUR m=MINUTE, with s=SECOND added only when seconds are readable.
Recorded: h=3 m=44
